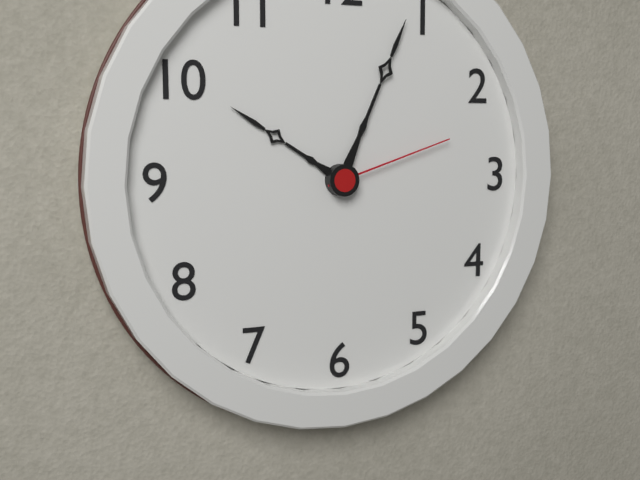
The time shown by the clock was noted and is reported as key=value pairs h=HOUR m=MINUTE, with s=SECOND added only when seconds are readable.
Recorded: h=10 m=4 s=12
